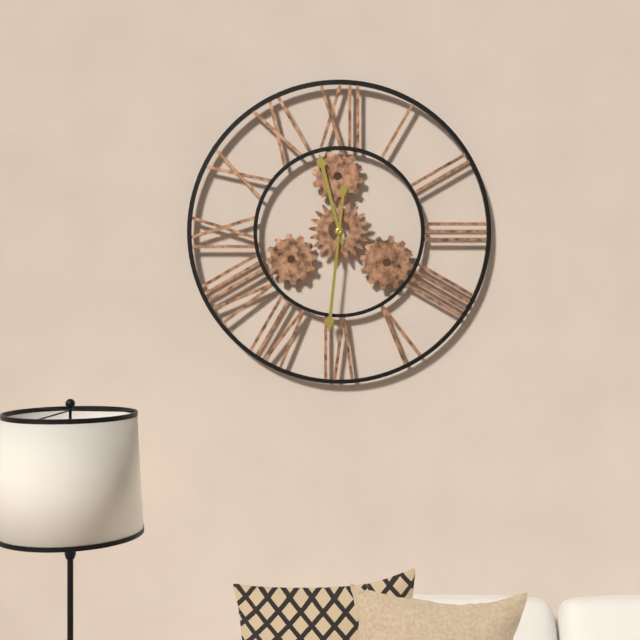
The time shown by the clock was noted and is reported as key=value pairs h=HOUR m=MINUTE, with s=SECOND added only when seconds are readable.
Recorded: h=11 m=31
